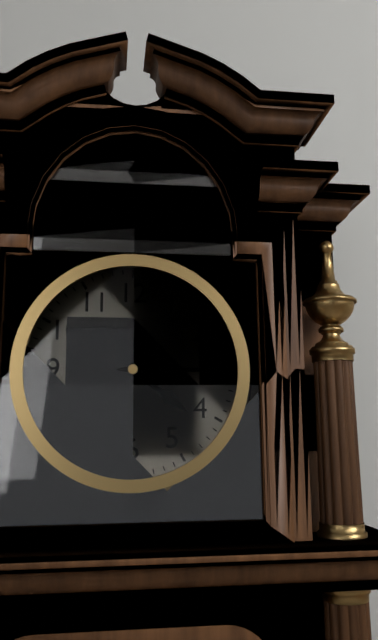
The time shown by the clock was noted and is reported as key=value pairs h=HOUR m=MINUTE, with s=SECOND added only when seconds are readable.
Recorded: h=4 m=15
